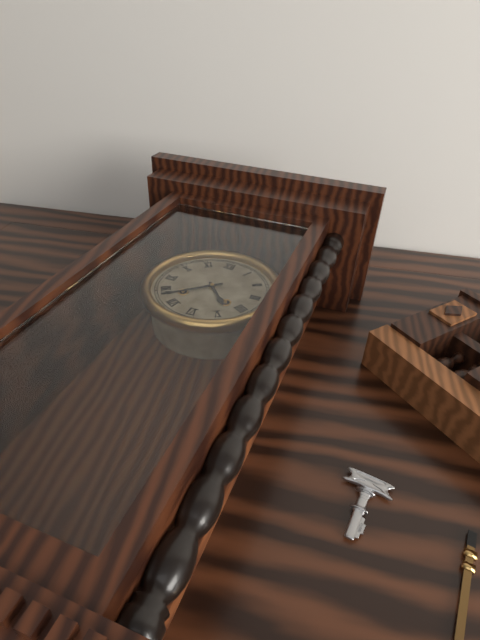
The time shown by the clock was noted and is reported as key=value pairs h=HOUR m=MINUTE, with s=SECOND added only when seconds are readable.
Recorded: h=4 m=38
